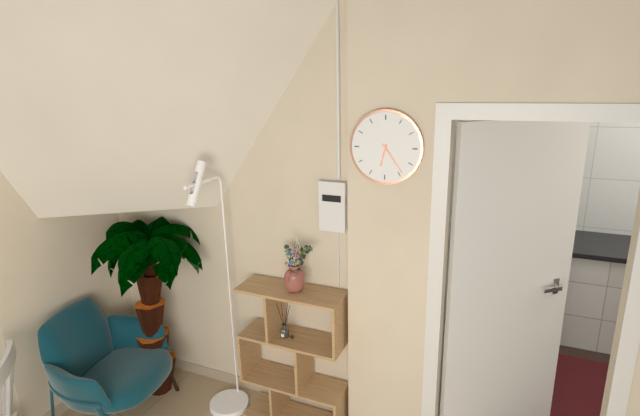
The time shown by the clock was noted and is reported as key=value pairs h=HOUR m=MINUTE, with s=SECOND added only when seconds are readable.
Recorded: h=6 m=24
